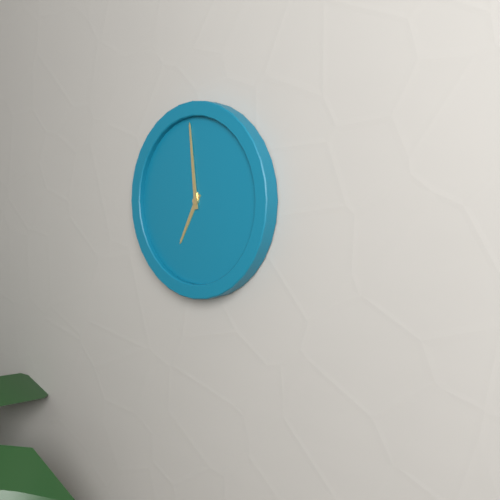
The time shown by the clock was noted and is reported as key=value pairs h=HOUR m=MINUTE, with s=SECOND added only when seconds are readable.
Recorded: h=6 m=59
